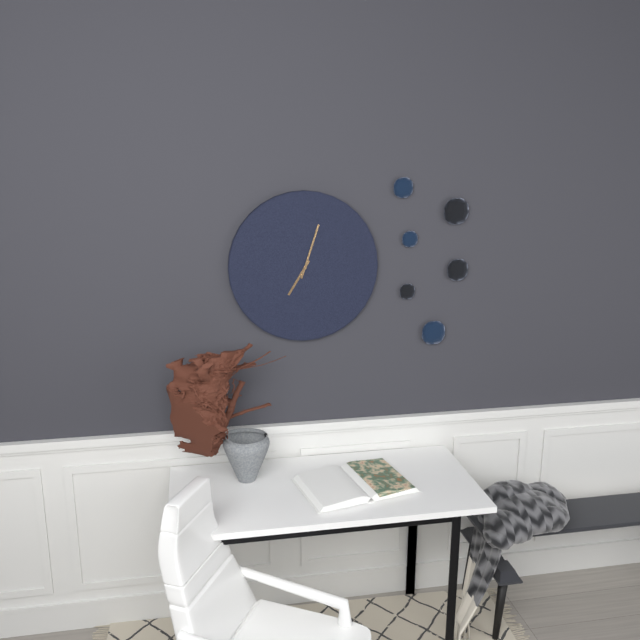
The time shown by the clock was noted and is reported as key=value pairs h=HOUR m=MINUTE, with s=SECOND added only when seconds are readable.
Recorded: h=7 m=3
